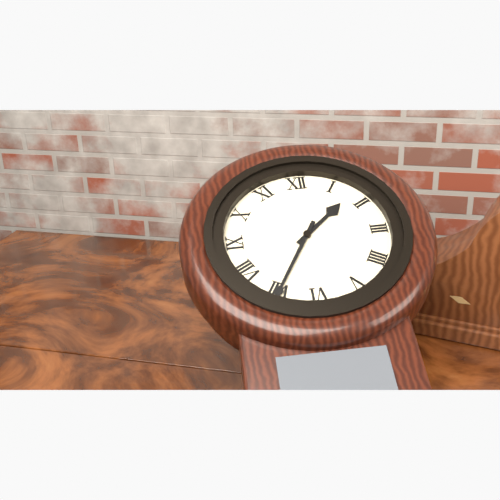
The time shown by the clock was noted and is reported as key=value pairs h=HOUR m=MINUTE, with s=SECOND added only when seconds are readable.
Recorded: h=1 m=35
